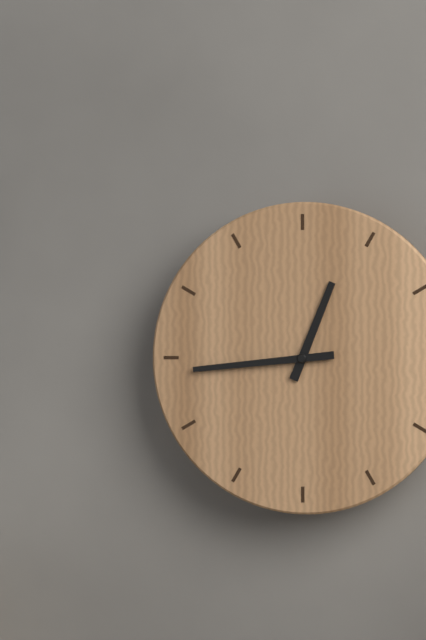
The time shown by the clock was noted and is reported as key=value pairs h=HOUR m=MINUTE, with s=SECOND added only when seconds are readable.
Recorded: h=12 m=44
